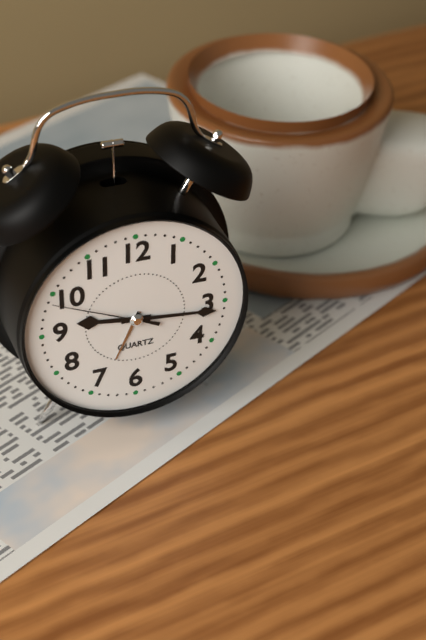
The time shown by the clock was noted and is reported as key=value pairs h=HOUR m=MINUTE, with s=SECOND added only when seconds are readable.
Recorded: h=9 m=16 s=49
